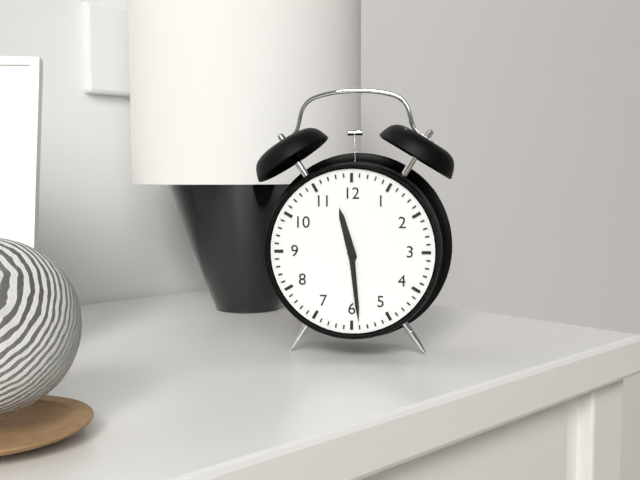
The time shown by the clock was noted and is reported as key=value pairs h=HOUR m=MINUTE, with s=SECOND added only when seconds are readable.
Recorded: h=11 m=29
